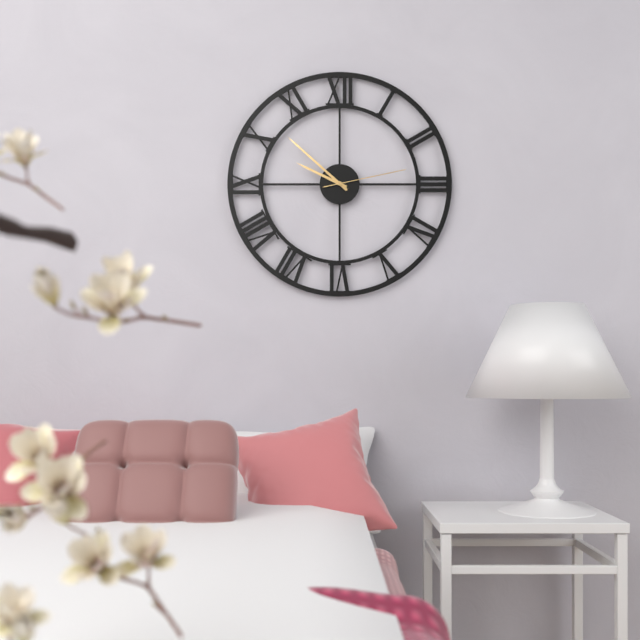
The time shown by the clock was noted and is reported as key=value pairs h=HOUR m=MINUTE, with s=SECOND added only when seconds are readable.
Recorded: h=9 m=52 s=13
